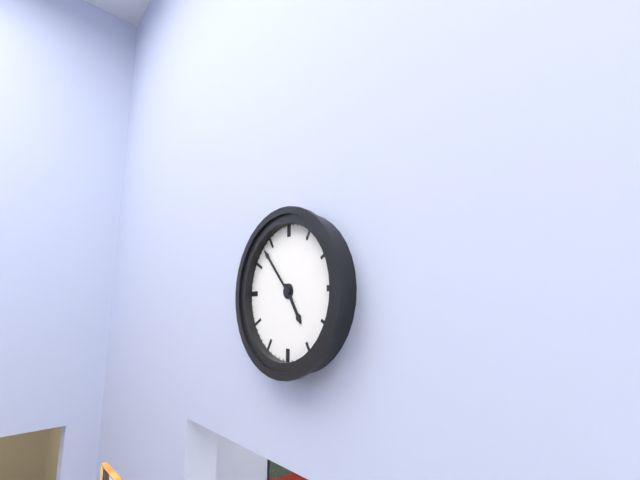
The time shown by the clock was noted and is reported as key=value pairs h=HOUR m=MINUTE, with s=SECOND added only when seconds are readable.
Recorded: h=4 m=53
